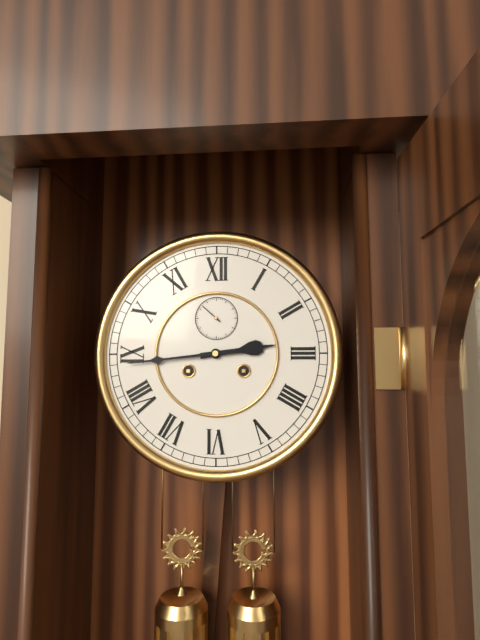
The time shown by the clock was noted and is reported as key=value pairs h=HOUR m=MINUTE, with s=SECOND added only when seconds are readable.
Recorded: h=2 m=44
